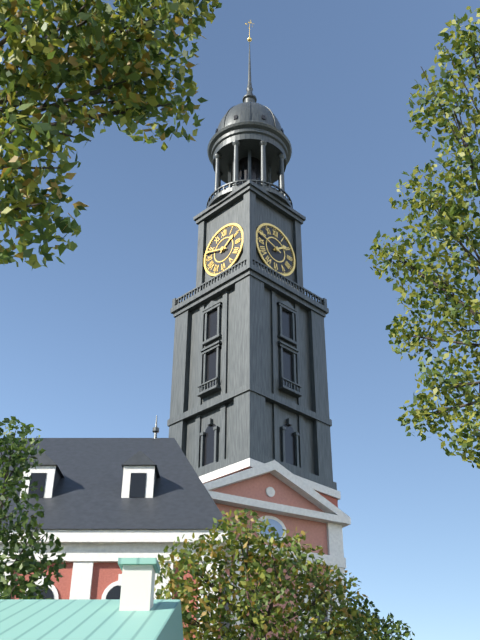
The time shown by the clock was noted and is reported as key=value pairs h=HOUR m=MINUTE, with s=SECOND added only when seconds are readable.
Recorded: h=1 m=48
